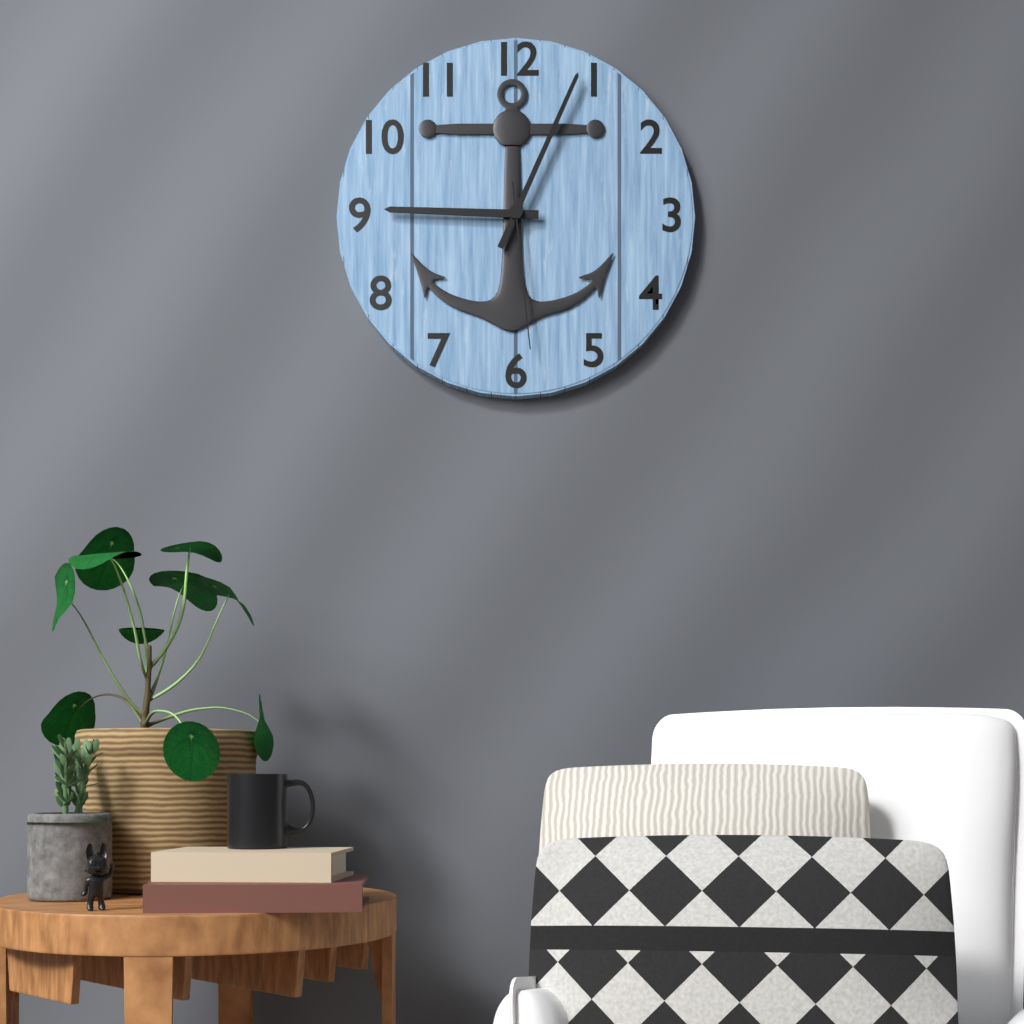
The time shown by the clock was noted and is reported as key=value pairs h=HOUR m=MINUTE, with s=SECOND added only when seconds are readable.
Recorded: h=9 m=4 s=29
